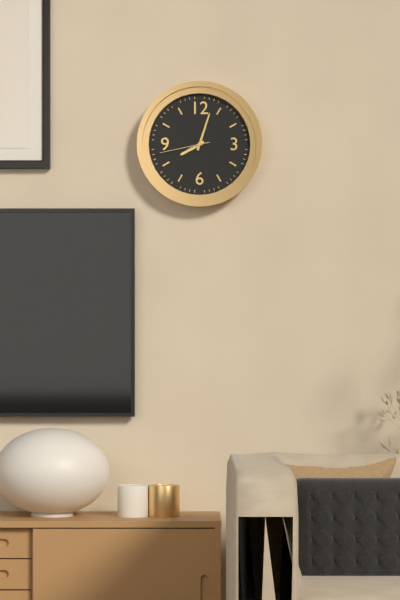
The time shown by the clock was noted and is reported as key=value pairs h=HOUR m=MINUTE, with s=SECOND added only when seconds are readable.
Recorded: h=8 m=3 s=43
